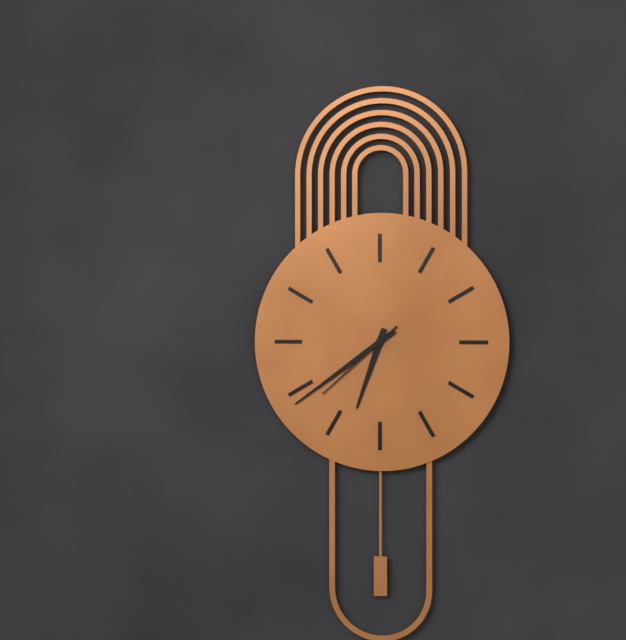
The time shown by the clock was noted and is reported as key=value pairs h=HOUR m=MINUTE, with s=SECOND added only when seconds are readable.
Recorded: h=6 m=39 s=38
